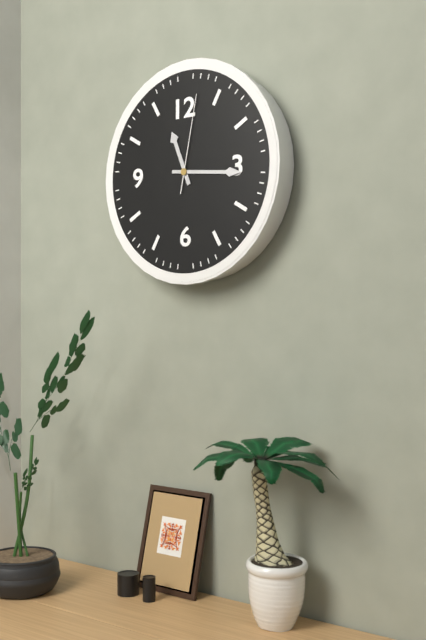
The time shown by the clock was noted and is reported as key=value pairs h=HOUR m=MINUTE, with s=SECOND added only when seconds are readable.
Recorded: h=11 m=16 s=2
